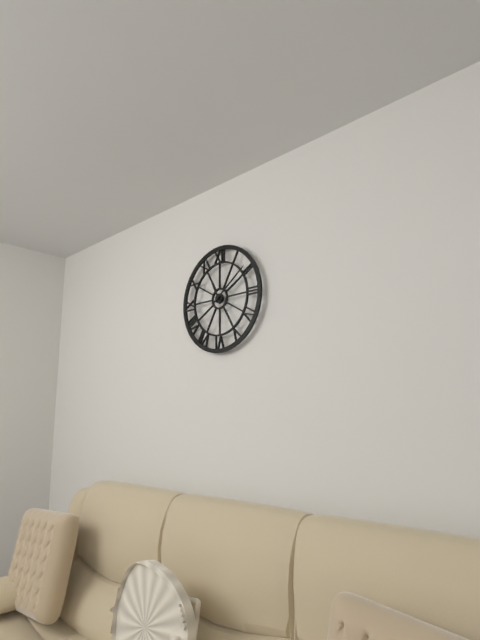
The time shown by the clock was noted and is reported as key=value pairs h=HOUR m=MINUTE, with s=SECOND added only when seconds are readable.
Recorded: h=11 m=9
